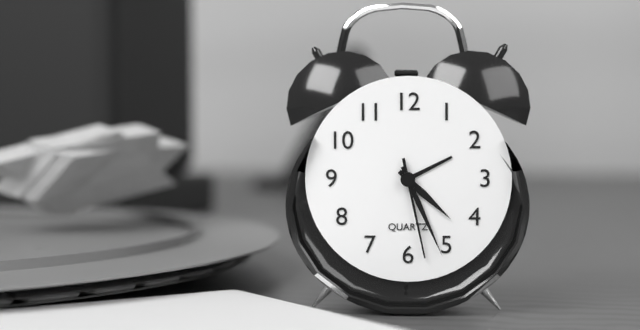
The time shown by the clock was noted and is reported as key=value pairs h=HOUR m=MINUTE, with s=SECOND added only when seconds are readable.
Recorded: h=4 m=26 s=28
